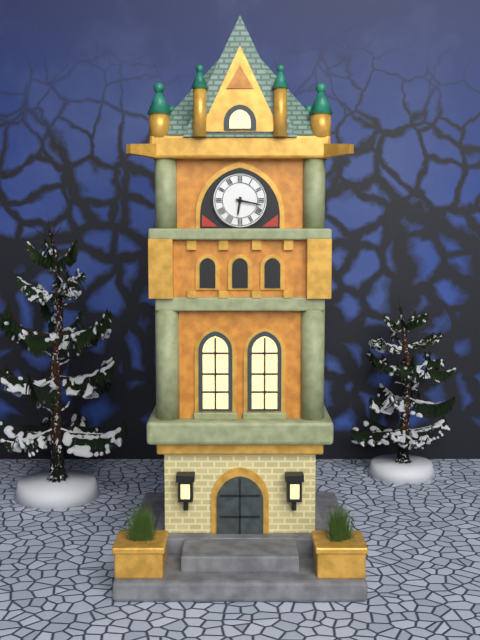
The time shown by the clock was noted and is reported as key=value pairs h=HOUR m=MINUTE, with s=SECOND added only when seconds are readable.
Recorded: h=6 m=17
